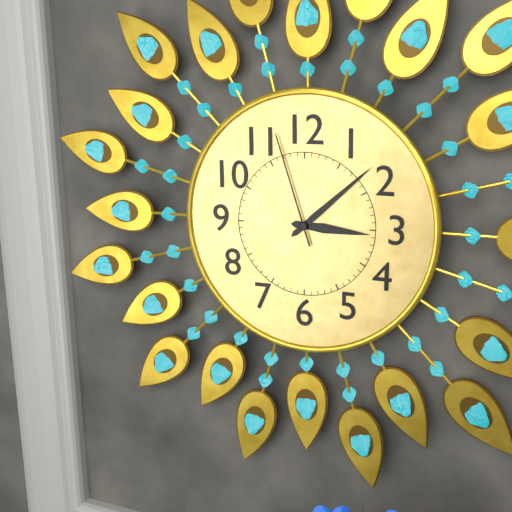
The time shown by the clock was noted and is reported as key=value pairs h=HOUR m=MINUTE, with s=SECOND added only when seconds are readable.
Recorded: h=3 m=8 s=57
